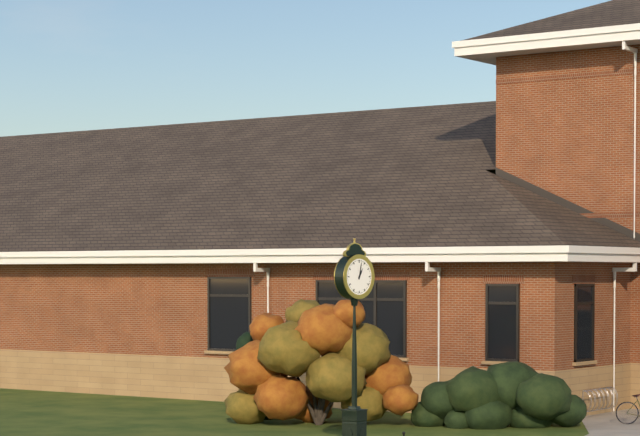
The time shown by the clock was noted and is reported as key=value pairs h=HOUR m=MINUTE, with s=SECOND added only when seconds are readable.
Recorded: h=1 m=2
